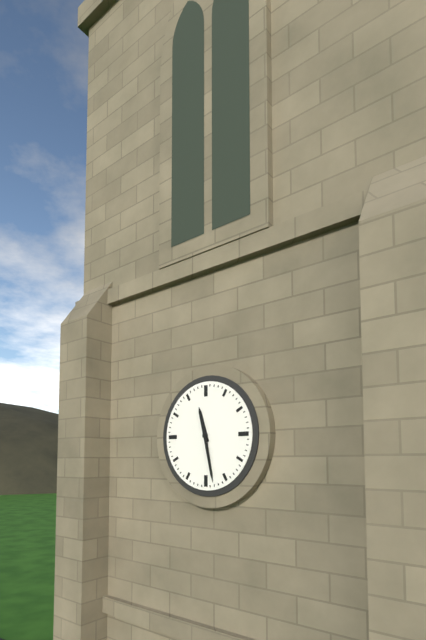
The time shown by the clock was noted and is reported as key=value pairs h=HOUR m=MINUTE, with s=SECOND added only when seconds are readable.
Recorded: h=11 m=28
